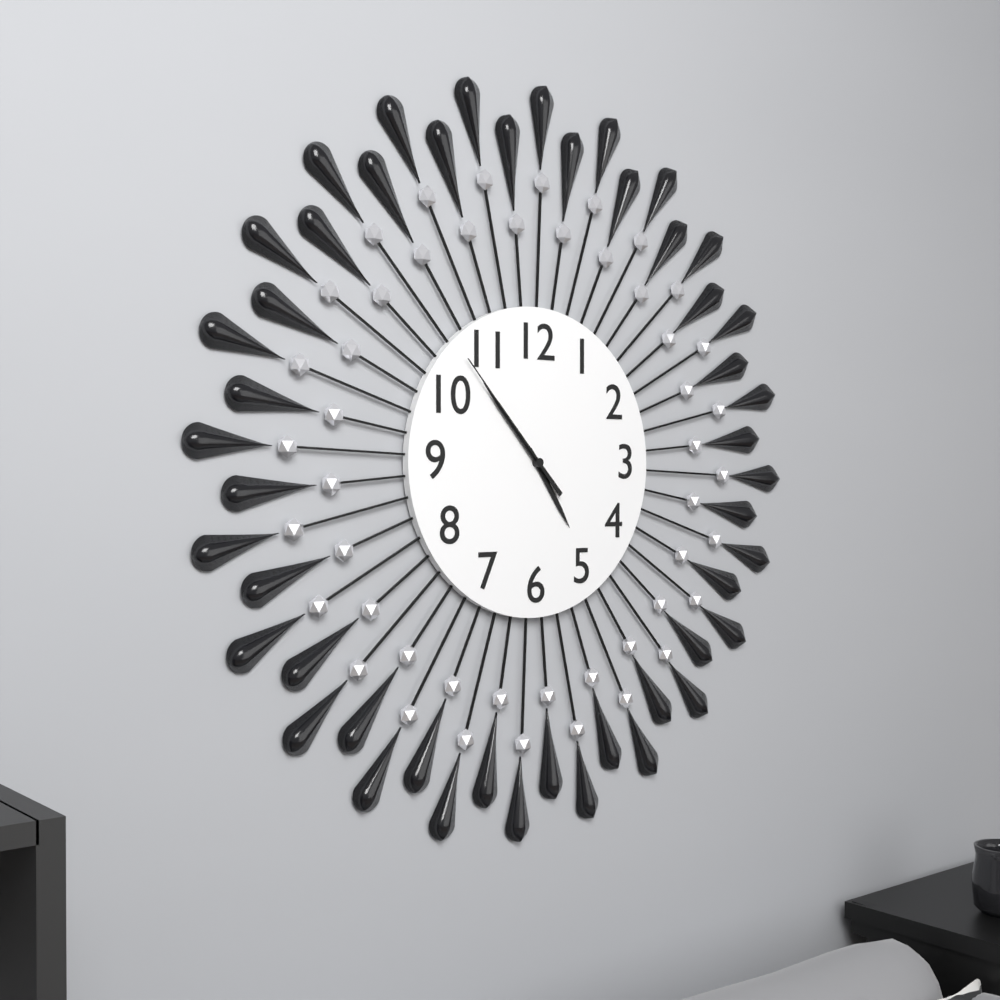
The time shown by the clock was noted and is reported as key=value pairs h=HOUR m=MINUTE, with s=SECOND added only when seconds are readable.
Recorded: h=4 m=53 s=53
